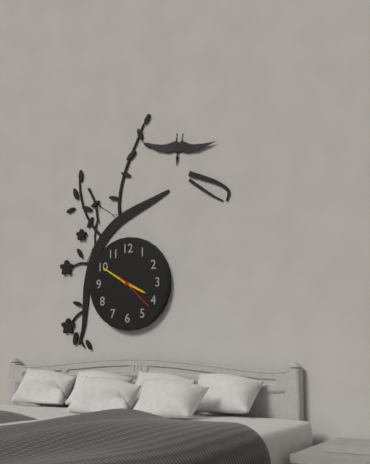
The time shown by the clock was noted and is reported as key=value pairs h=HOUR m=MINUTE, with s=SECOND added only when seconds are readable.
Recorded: h=3 m=50
